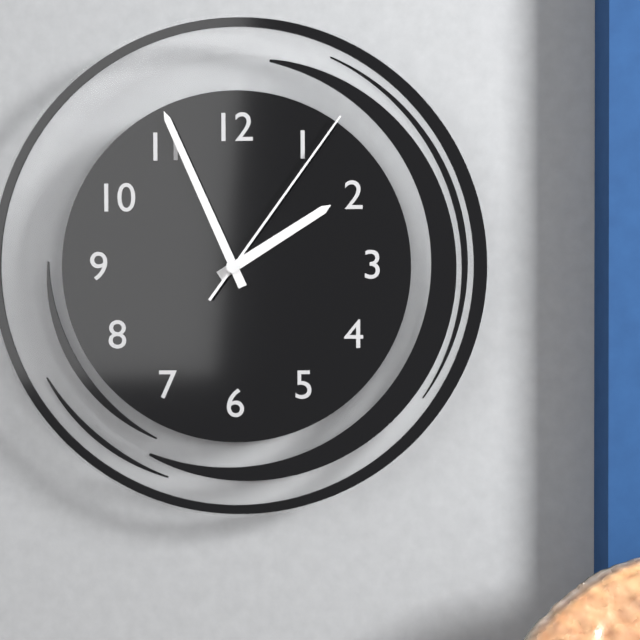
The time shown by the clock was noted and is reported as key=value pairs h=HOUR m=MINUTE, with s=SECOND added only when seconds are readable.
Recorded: h=1 m=56 s=6
